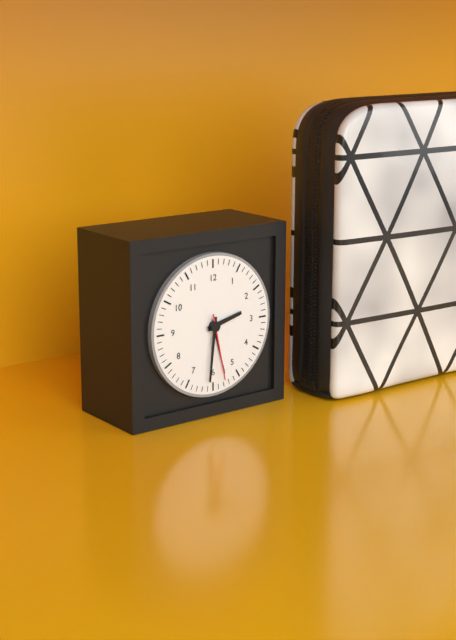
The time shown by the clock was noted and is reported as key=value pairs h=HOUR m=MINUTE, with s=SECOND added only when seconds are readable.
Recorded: h=2 m=31 s=28
